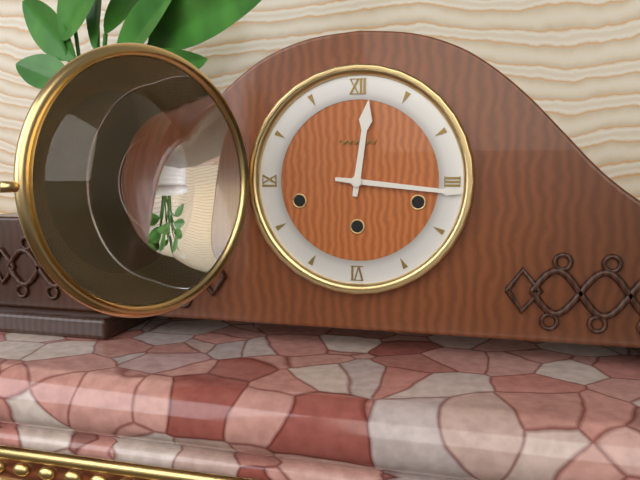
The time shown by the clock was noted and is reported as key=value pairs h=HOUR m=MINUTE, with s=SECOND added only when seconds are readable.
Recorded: h=12 m=16
